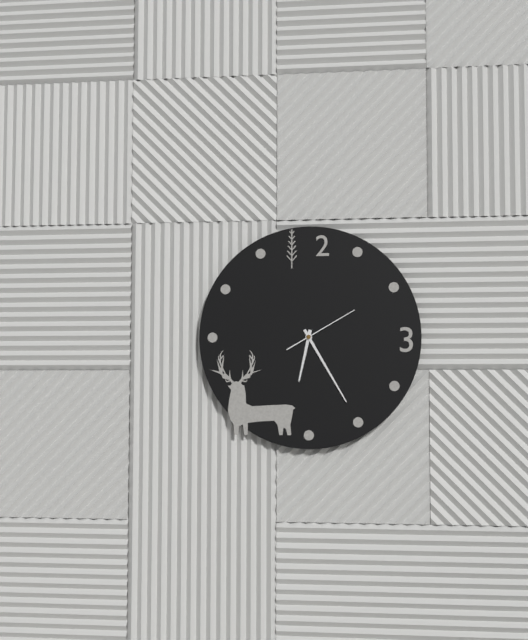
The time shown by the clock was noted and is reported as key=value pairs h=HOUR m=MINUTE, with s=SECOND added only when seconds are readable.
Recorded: h=6 m=25 s=10
